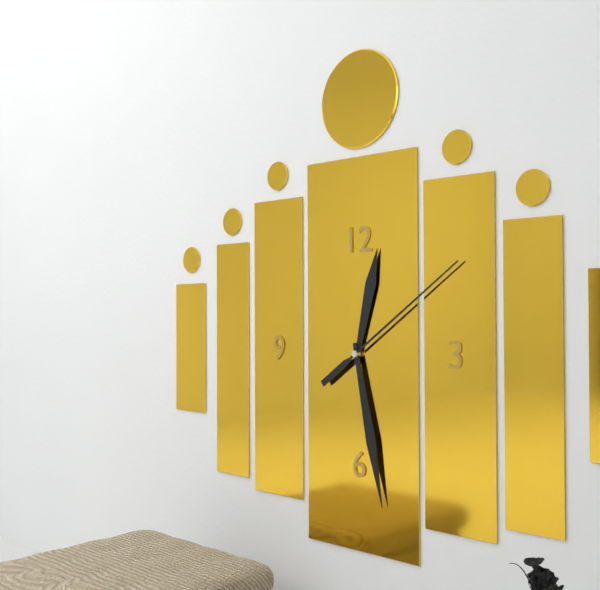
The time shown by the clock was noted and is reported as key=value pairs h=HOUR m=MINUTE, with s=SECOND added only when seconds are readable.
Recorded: h=12 m=28 s=9
